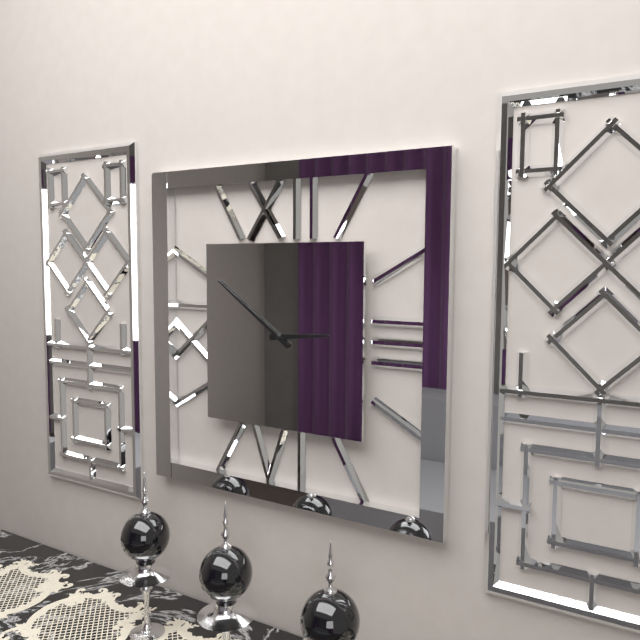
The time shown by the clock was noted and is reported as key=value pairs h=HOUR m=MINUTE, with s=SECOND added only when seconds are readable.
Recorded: h=2 m=51
